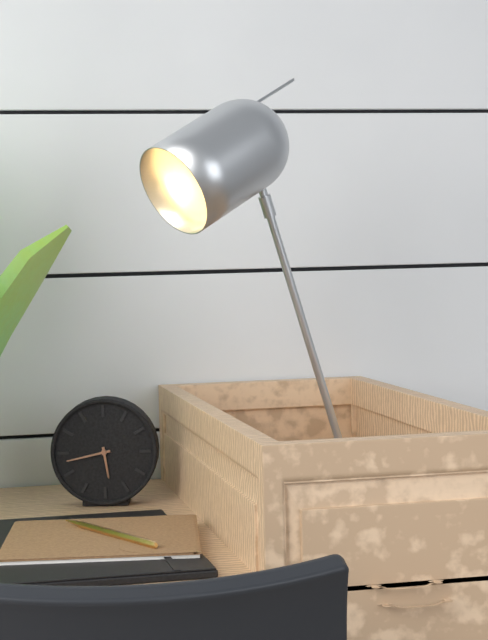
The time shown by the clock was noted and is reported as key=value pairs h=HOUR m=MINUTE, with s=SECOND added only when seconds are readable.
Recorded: h=5 m=43
